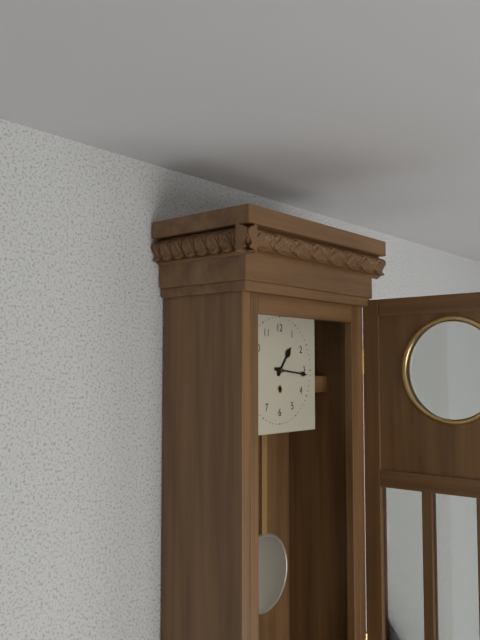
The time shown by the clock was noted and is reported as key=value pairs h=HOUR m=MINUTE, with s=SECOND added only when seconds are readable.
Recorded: h=1 m=16
